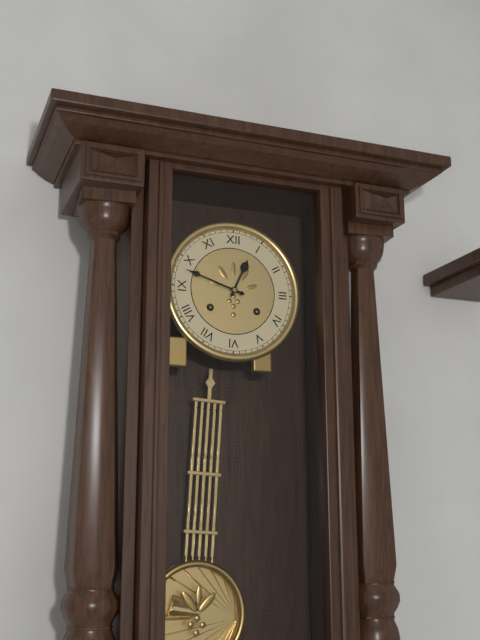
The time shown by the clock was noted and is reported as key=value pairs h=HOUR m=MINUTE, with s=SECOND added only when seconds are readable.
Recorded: h=12 m=48
